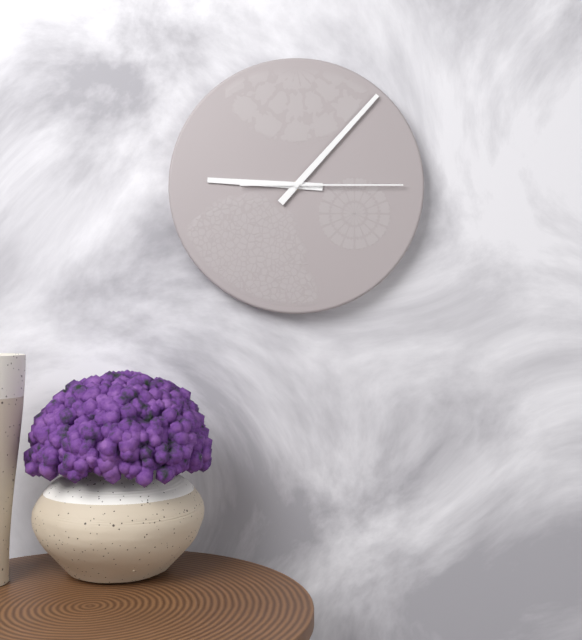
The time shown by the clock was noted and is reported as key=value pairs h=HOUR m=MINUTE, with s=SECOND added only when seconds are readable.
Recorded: h=9 m=7 s=15
